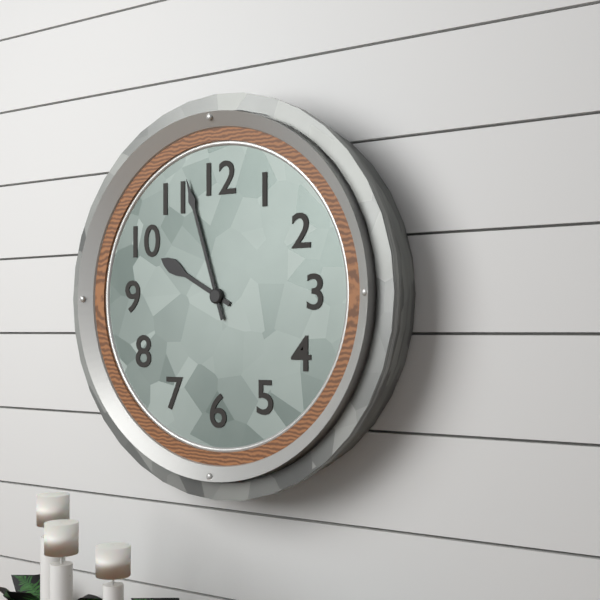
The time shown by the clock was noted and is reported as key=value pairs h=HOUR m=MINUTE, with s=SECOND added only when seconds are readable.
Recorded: h=9 m=57
